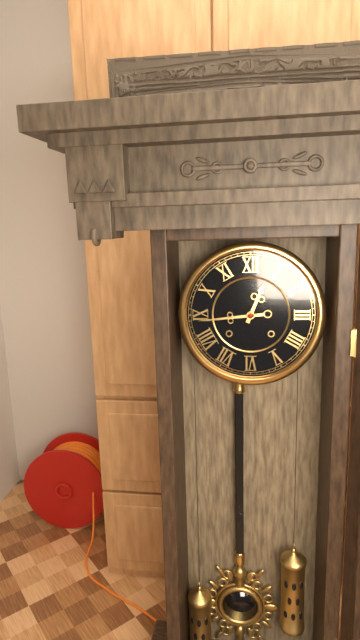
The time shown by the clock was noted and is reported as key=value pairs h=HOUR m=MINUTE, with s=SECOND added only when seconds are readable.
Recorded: h=12 m=44
